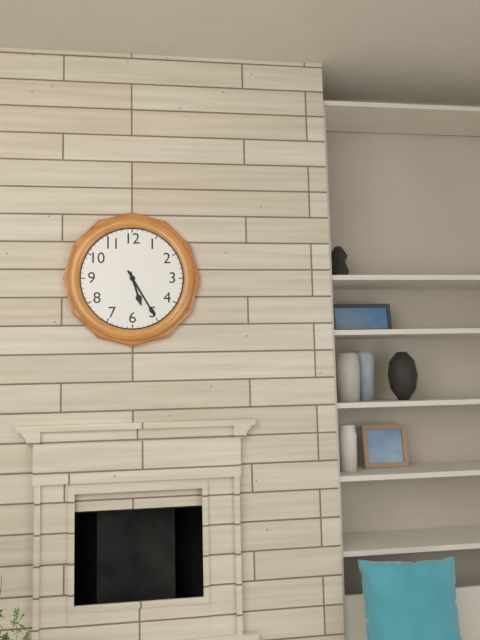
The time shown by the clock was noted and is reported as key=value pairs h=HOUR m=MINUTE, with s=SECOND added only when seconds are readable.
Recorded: h=5 m=25
